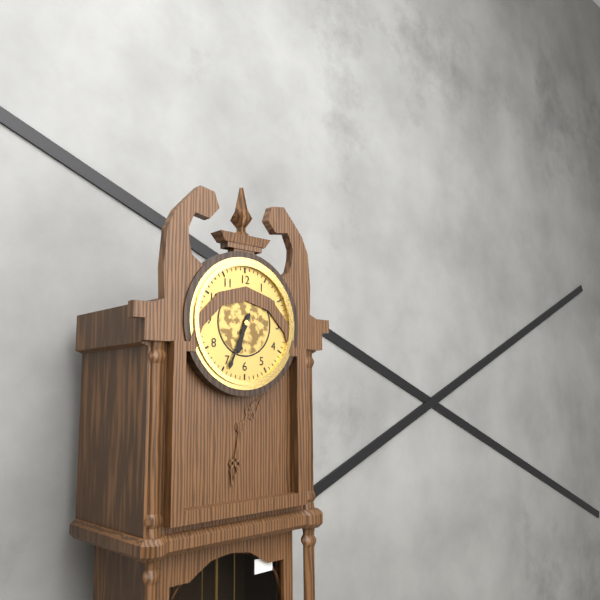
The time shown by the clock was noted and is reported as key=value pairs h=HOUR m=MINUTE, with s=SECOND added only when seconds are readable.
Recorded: h=6 m=34
